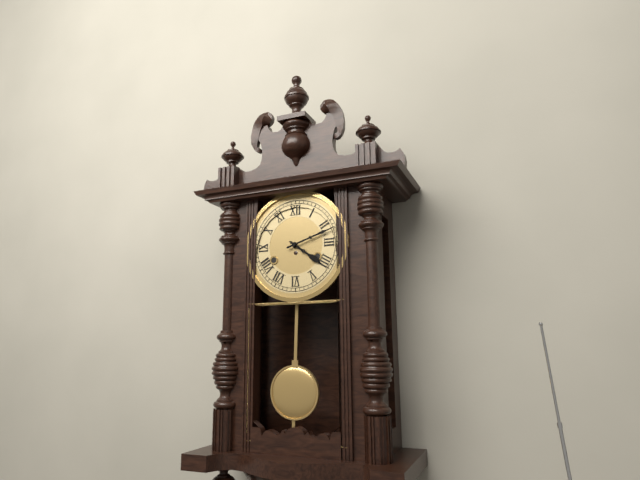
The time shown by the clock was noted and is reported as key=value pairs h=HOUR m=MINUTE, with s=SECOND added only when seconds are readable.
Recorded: h=4 m=12
